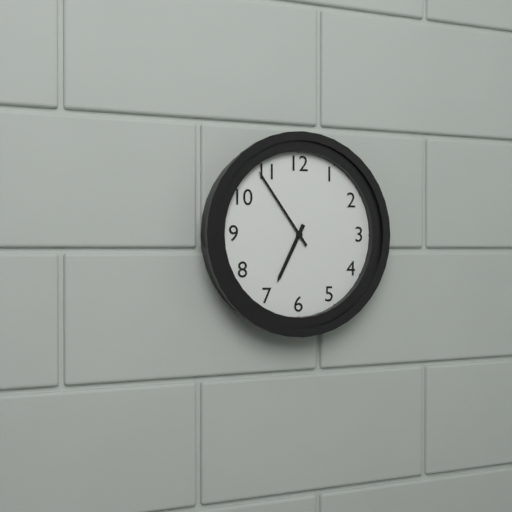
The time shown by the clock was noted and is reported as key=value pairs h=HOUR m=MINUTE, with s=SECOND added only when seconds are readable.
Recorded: h=6 m=54
